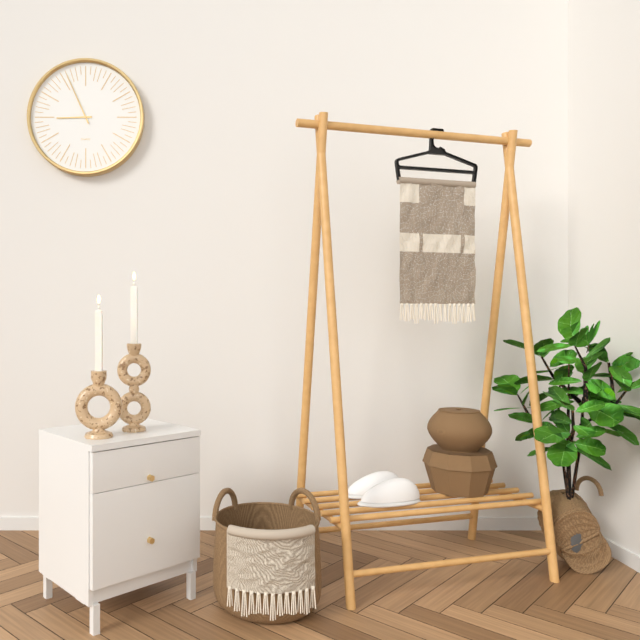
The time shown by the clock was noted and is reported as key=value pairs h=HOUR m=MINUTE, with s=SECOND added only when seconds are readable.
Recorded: h=8 m=56
